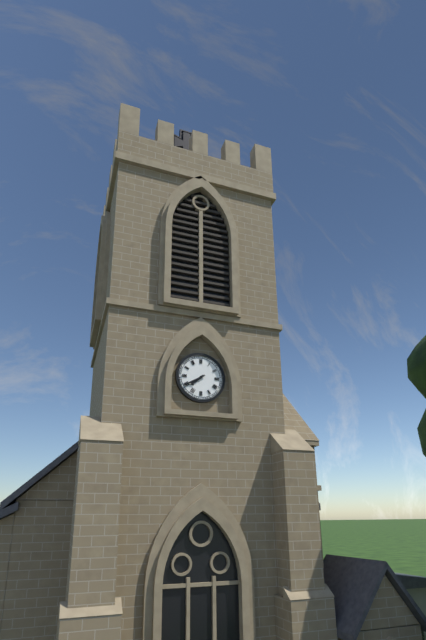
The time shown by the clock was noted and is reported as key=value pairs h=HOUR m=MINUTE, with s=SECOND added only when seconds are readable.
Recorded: h=7 m=40
